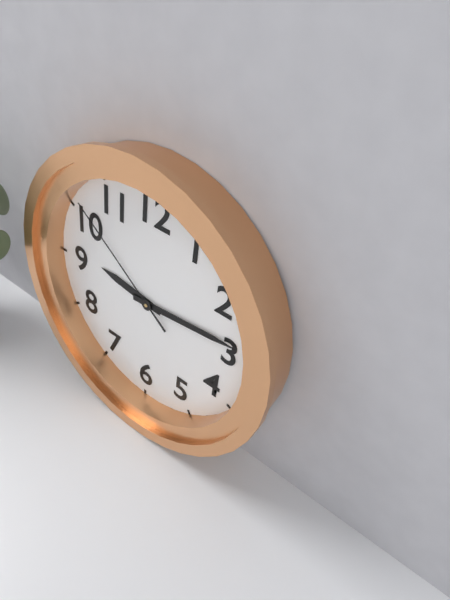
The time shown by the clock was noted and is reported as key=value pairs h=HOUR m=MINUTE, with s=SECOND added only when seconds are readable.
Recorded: h=9 m=14 s=51
